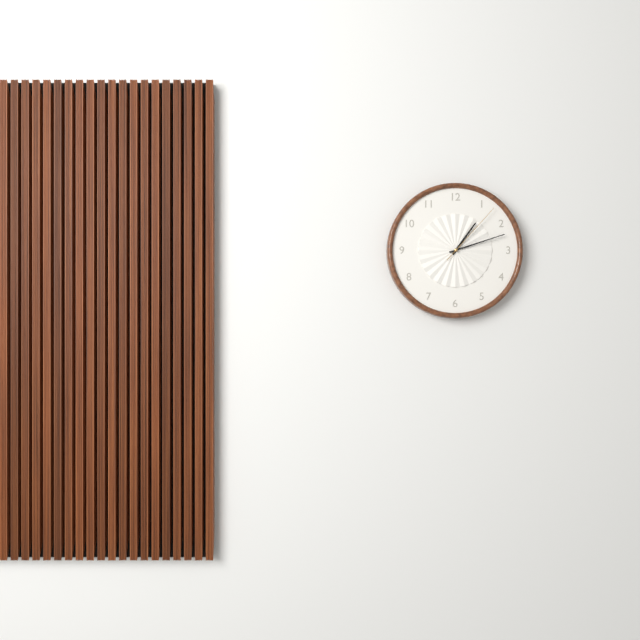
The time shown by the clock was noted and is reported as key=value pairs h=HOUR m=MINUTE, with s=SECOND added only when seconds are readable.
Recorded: h=1 m=12 s=7
